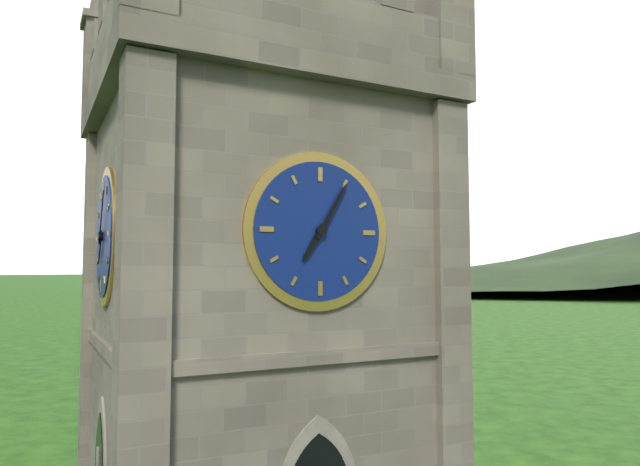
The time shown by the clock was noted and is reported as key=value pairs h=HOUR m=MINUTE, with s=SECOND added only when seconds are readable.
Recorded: h=7 m=5
